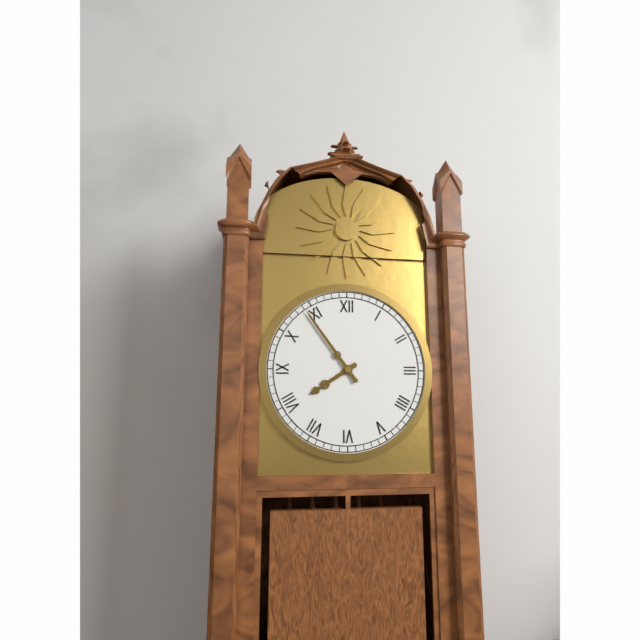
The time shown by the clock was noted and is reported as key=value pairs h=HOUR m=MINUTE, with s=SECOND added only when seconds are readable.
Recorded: h=7 m=54
